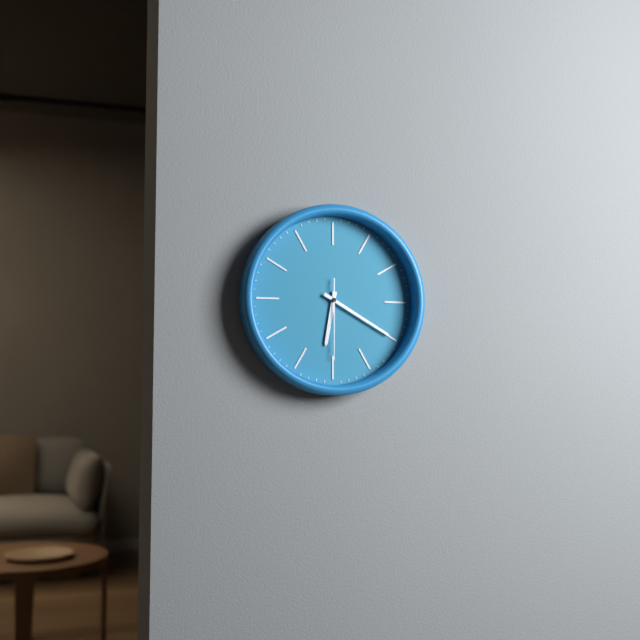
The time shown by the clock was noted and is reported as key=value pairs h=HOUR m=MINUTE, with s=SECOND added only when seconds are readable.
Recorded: h=6 m=20 s=30
